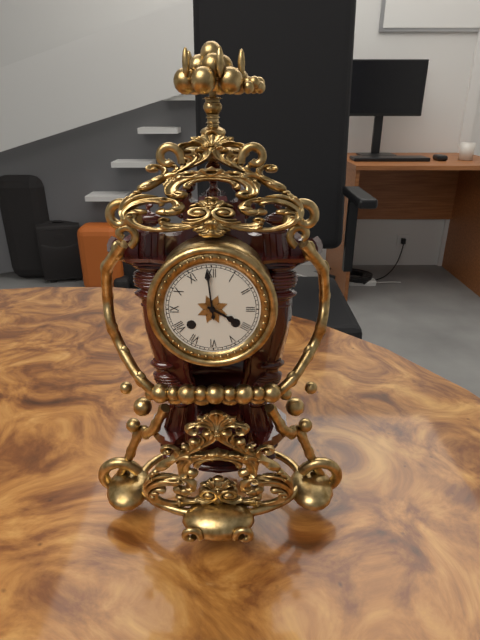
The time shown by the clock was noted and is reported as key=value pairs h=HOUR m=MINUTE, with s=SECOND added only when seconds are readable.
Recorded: h=3 m=59
